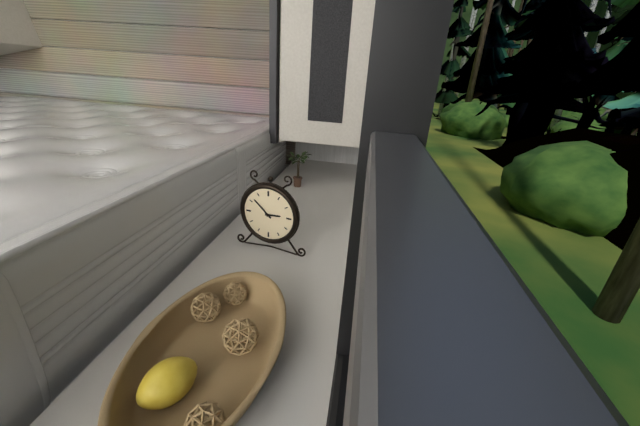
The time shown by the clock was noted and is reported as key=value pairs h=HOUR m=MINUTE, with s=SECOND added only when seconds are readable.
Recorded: h=2 m=52
